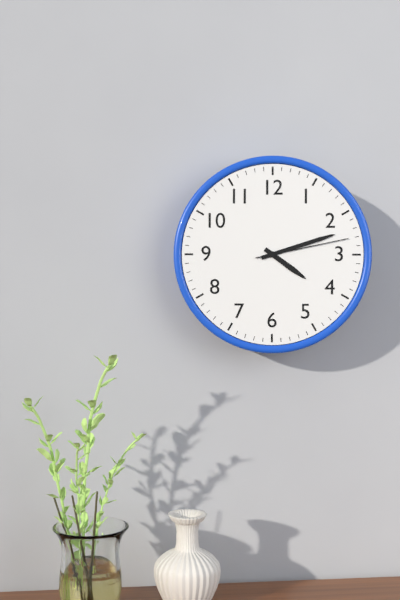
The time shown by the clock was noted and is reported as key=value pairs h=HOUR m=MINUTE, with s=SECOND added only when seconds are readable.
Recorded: h=4 m=12 s=13
